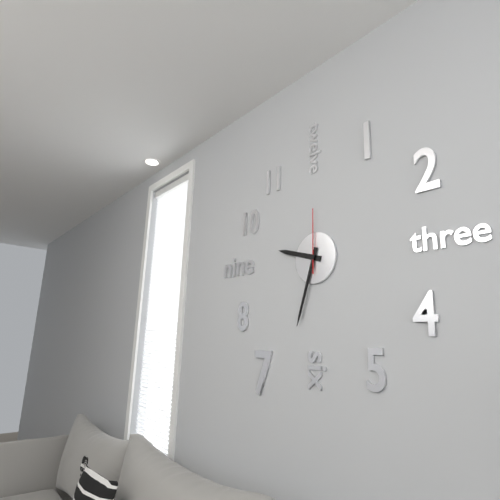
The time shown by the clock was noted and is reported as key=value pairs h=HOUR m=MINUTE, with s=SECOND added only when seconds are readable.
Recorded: h=9 m=33 s=0
